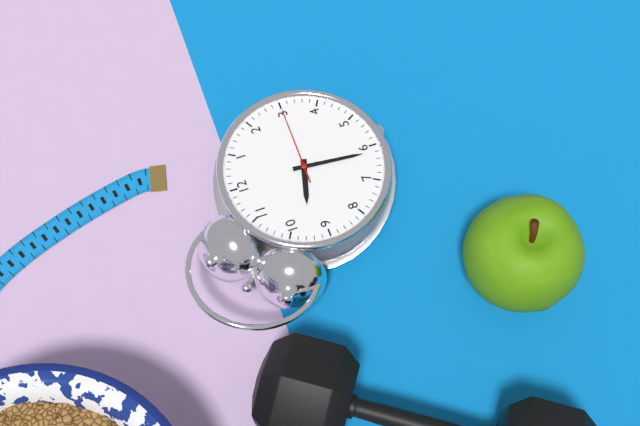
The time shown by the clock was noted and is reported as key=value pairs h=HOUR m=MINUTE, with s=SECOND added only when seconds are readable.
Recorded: h=9 m=31 s=15
